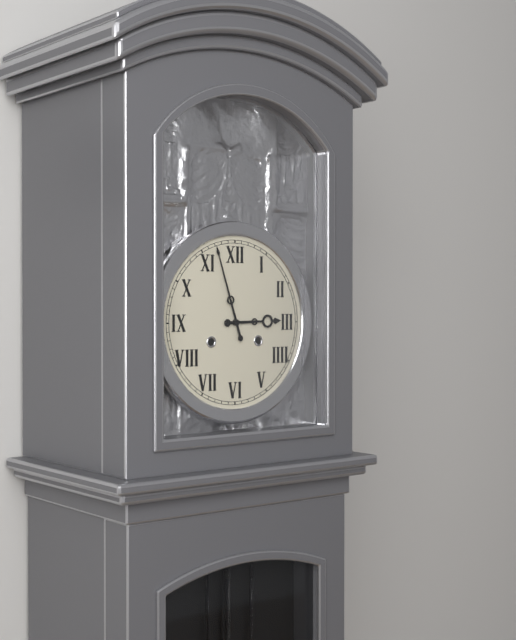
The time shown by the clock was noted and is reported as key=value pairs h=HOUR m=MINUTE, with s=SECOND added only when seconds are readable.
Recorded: h=2 m=57
